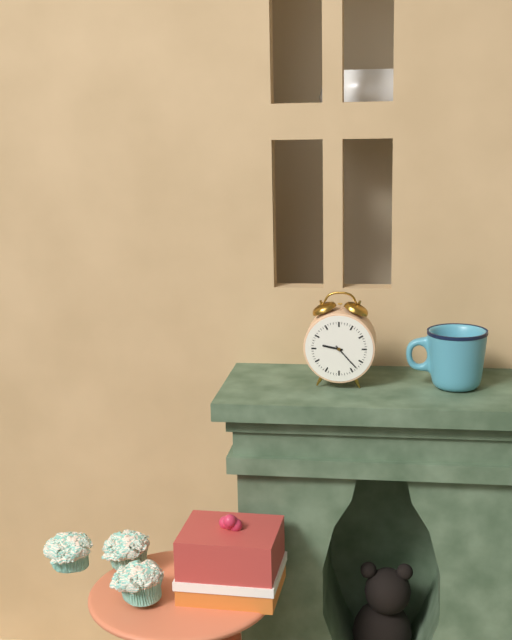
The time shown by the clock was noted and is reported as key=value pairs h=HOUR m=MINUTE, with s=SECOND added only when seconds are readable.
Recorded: h=9 m=23
